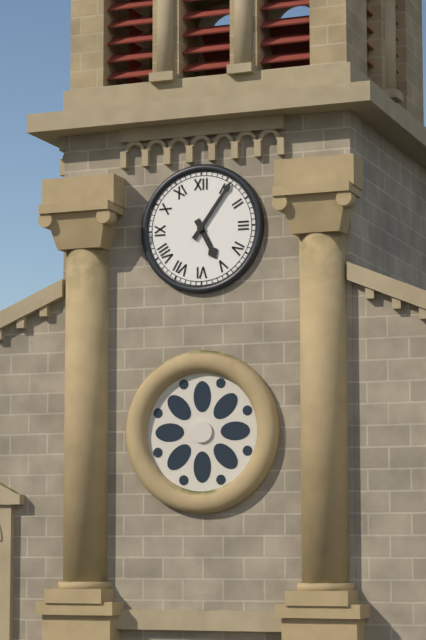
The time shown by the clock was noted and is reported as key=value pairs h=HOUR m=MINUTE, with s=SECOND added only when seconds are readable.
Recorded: h=5 m=6
